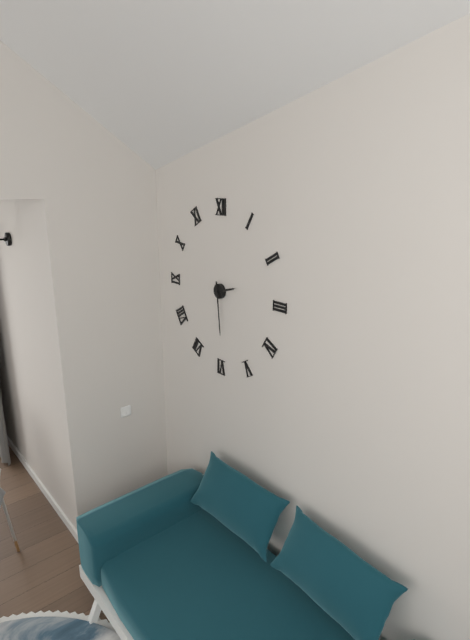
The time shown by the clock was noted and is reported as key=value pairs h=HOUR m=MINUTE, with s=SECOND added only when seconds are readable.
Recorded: h=2 m=29
